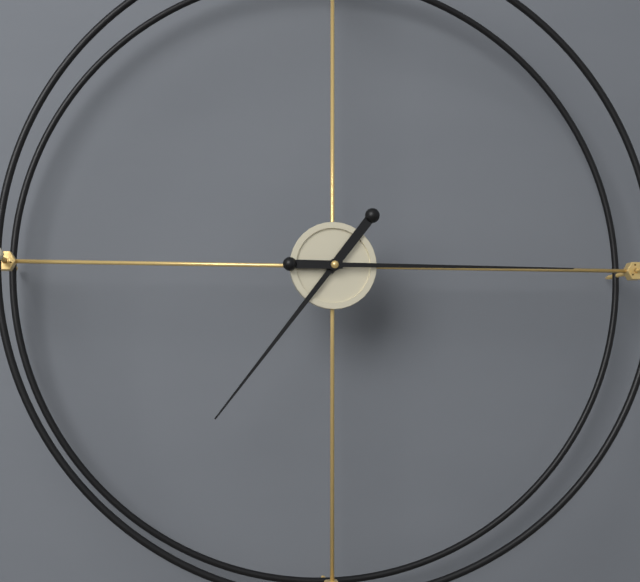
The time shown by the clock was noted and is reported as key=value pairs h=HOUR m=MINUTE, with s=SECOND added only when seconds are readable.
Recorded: h=7 m=15
